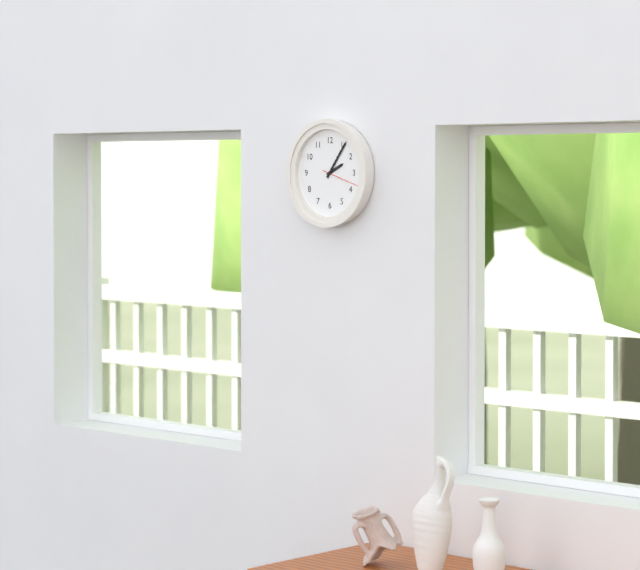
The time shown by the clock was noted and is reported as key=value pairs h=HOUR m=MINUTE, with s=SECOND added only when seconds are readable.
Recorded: h=2 m=6
